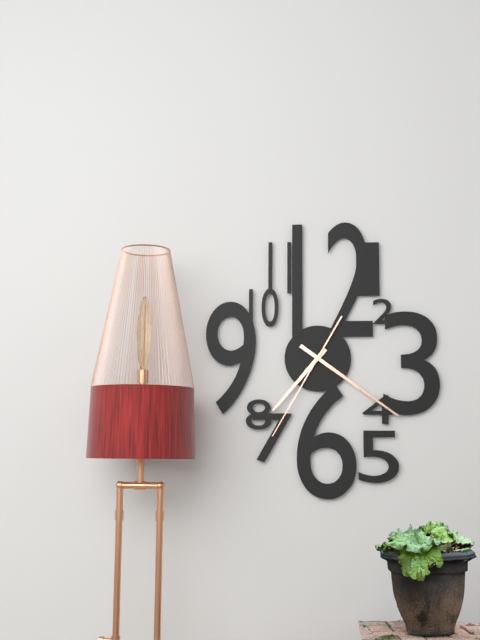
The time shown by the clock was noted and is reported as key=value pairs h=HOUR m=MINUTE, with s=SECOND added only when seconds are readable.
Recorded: h=7 m=21 s=35
